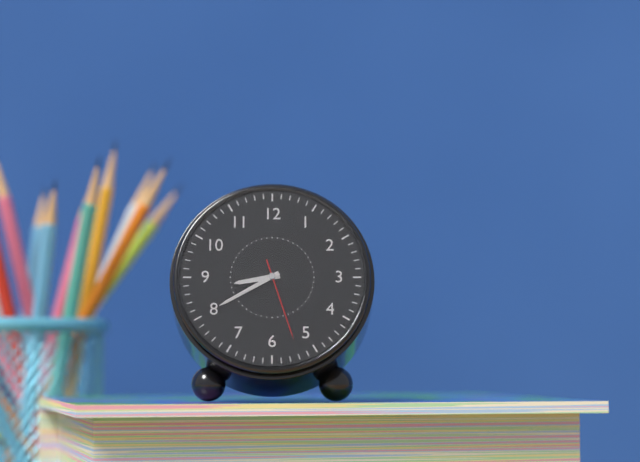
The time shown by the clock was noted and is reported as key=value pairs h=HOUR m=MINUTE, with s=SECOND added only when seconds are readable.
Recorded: h=8 m=40 s=27
